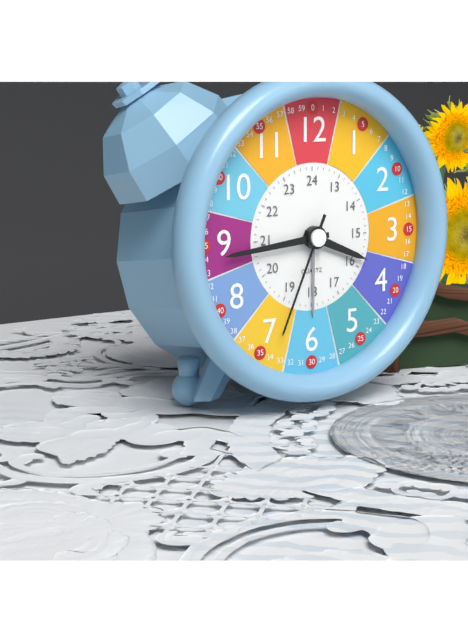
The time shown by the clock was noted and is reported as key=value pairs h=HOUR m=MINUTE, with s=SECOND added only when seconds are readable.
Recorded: h=3 m=44 s=34
